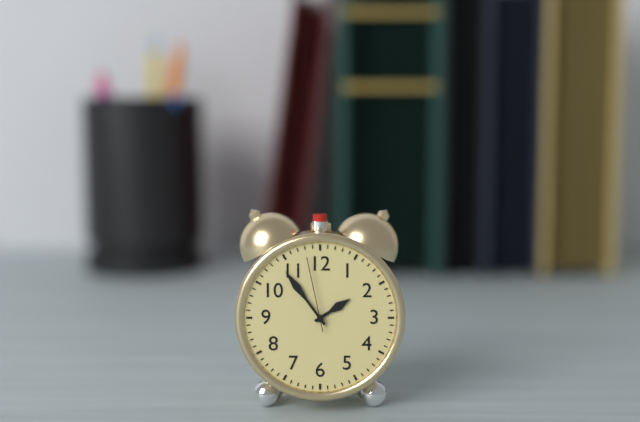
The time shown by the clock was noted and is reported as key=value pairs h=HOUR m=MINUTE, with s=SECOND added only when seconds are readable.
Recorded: h=1 m=54 s=58
